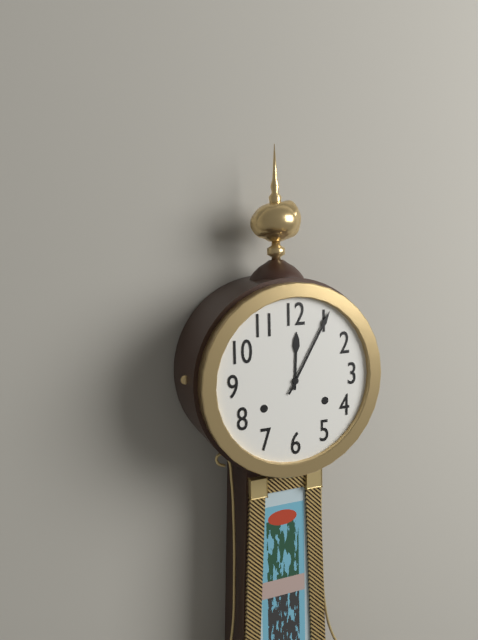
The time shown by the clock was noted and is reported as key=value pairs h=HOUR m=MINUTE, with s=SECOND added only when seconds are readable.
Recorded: h=12 m=5
